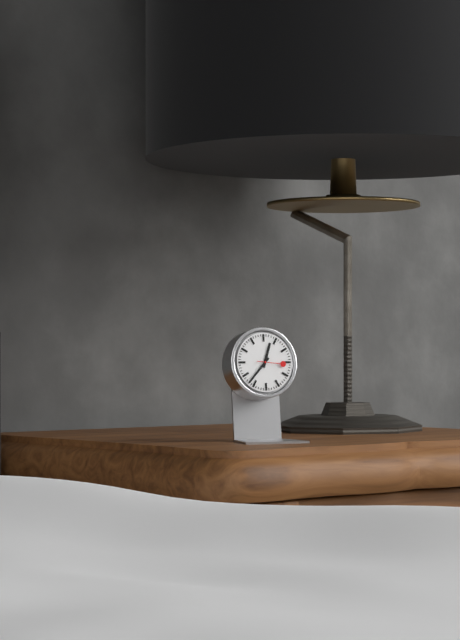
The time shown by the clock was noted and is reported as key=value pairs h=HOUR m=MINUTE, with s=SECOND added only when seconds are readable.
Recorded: h=12 m=37
